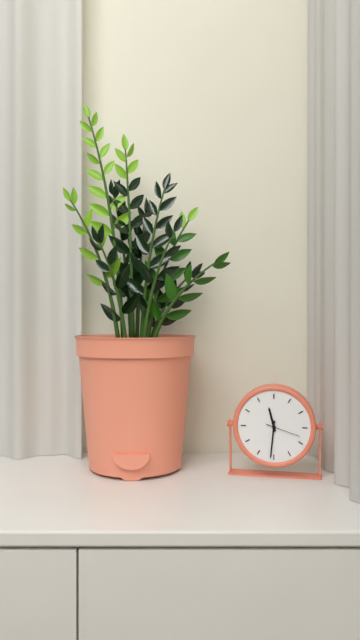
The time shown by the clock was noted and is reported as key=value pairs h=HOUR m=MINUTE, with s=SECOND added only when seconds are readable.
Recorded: h=11 m=31
